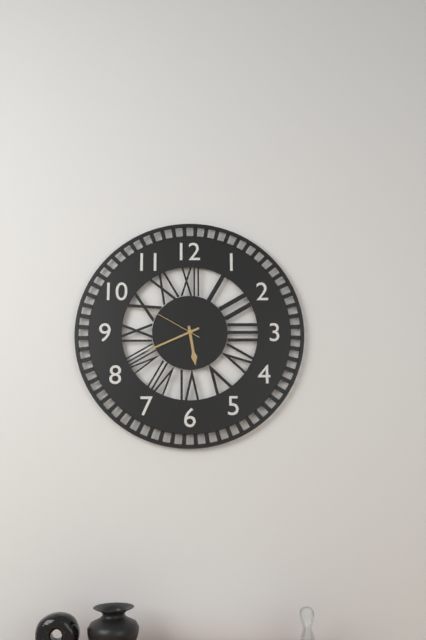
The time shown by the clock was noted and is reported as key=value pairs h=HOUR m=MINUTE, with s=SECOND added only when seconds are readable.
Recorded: h=5 m=41 s=50
